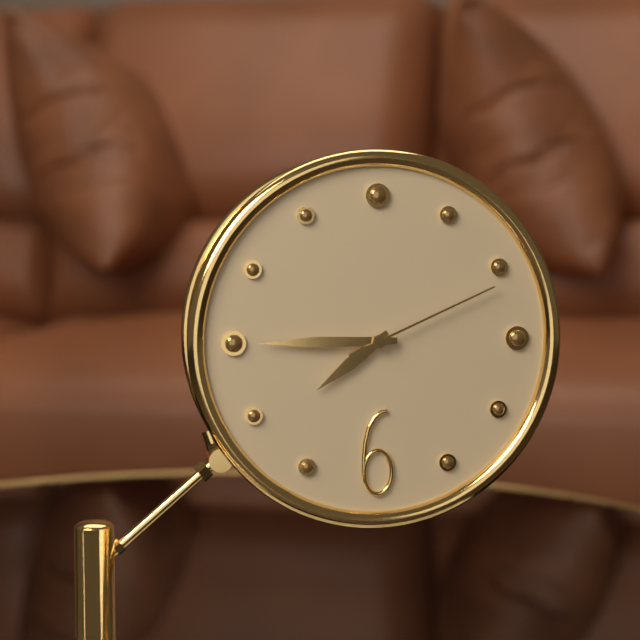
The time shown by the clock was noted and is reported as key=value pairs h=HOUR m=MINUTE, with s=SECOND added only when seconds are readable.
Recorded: h=7 m=45 s=11
